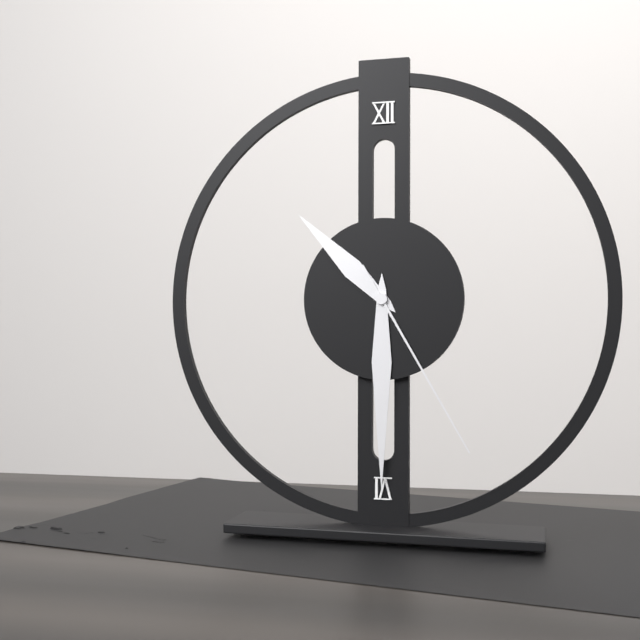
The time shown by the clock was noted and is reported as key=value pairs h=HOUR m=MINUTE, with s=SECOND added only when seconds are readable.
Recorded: h=10 m=30 s=25
